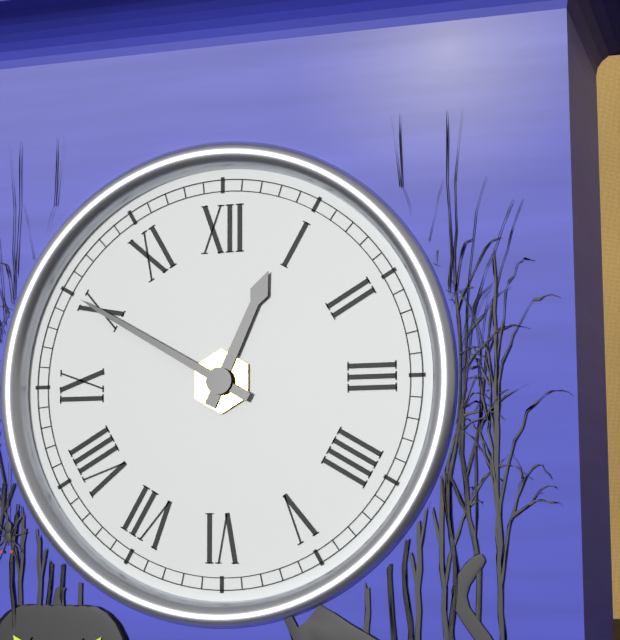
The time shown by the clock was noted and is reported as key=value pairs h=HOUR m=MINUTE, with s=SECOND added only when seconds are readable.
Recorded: h=12 m=50
